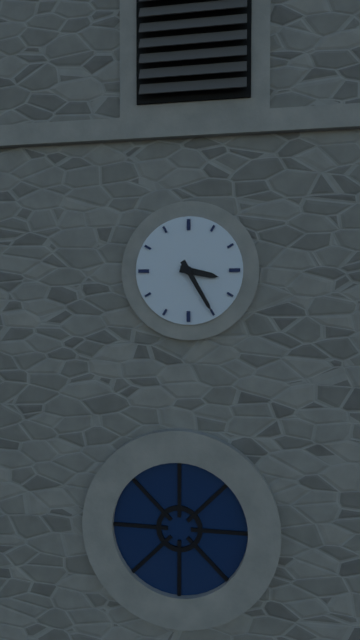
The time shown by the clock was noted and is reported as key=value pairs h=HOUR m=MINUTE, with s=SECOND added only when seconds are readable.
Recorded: h=3 m=25
